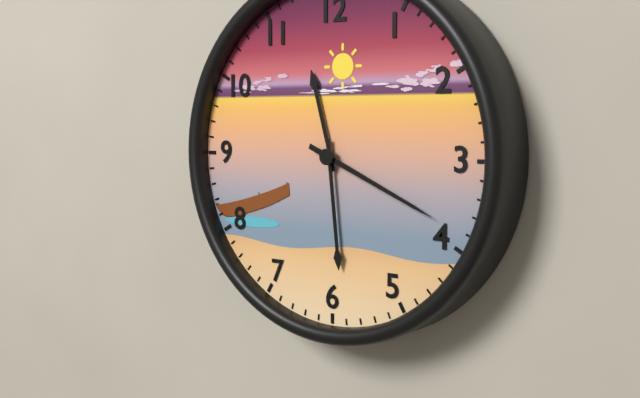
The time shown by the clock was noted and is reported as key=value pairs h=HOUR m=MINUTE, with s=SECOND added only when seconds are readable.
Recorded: h=11 m=29 s=19
